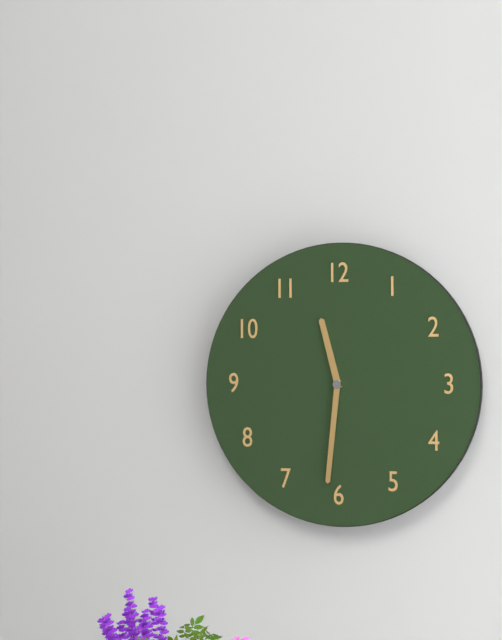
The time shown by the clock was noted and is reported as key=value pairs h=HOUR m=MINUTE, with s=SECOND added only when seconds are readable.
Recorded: h=11 m=31
